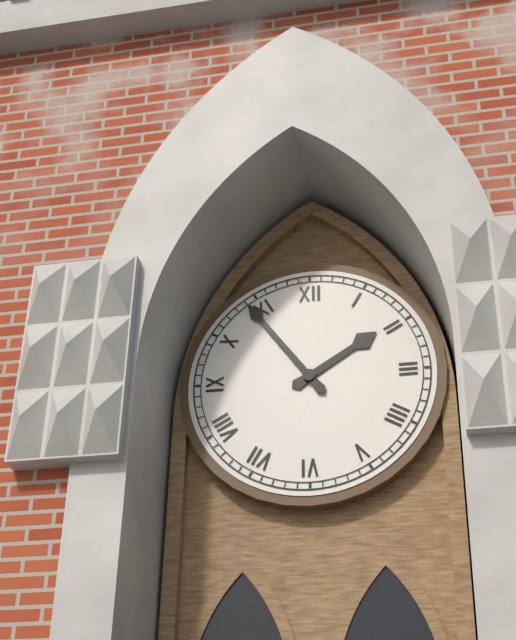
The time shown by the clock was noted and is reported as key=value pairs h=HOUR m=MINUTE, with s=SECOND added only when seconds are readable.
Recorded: h=1 m=54
